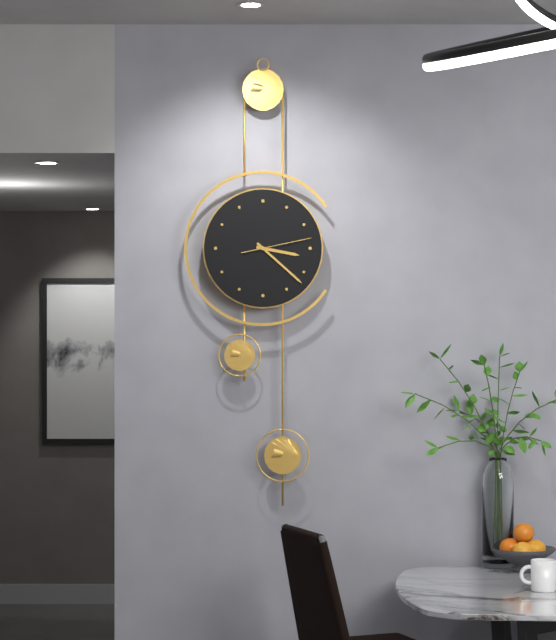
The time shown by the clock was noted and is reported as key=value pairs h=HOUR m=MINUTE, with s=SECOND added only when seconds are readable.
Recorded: h=3 m=22 s=13
